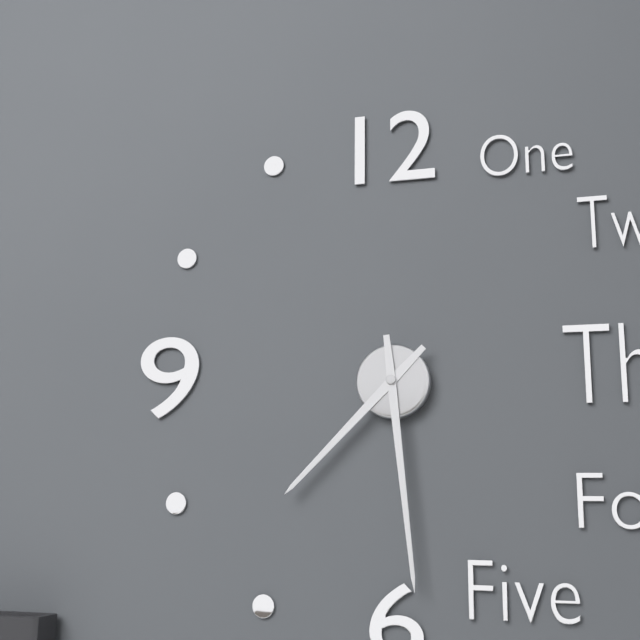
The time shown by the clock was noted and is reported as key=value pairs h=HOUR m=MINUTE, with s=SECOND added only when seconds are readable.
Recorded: h=7 m=29
